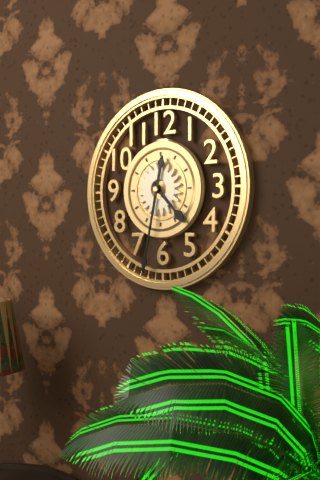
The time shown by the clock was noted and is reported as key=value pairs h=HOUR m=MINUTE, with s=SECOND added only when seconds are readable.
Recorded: h=4 m=32
